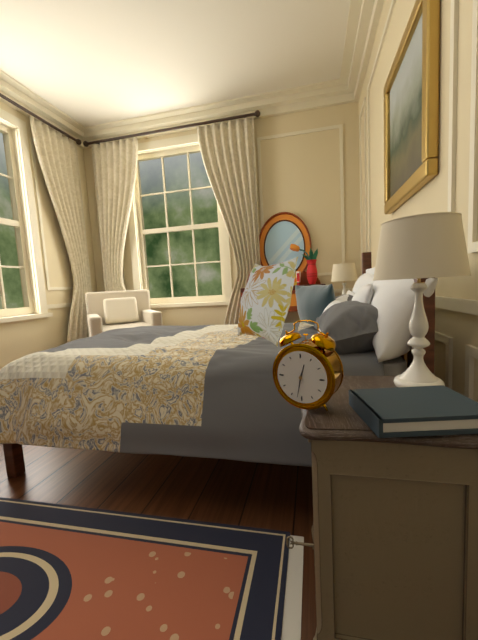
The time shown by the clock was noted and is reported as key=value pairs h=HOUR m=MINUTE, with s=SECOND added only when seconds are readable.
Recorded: h=12 m=32
